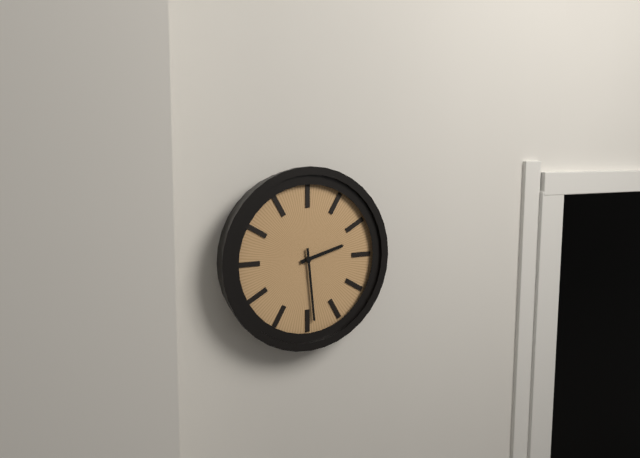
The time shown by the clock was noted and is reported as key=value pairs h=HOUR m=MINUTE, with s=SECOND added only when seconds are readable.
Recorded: h=2 m=29
